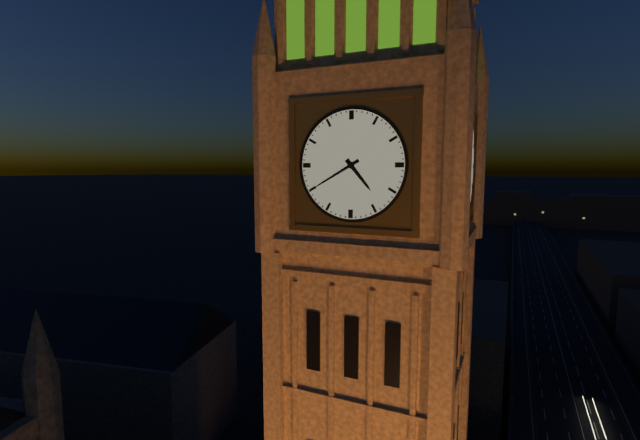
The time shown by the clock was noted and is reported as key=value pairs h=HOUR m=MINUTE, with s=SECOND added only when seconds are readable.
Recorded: h=4 m=40
